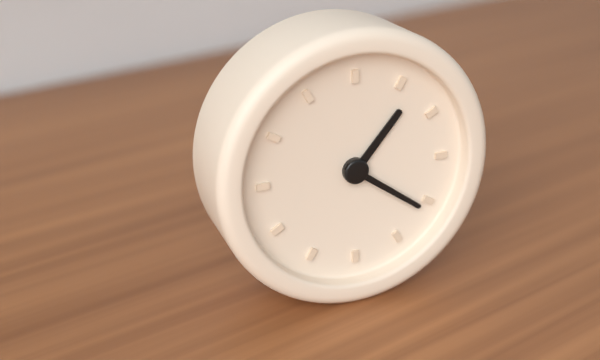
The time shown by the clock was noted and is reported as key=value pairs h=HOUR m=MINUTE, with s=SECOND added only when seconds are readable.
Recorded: h=1 m=21
